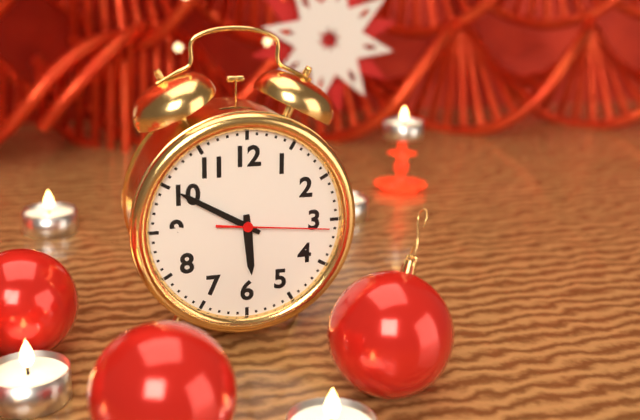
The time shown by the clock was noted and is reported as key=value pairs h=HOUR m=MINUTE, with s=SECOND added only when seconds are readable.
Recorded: h=5 m=50 s=16
